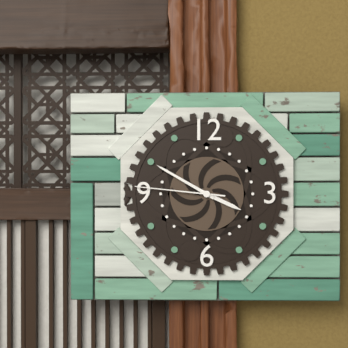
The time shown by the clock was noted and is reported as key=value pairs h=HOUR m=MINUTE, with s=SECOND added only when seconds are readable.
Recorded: h=3 m=50 s=46
